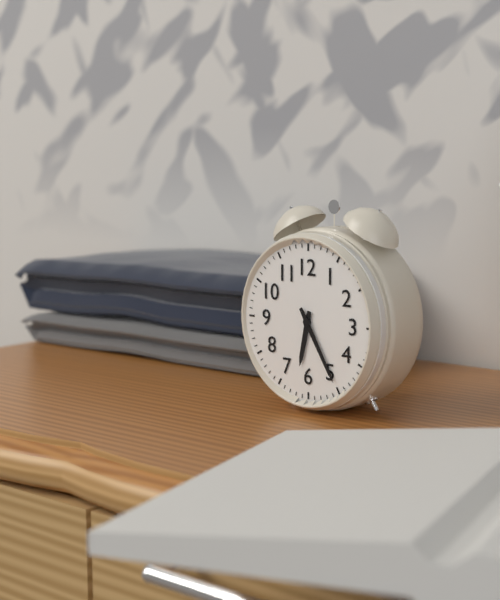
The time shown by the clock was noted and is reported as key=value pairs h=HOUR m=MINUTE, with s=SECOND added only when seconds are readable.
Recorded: h=6 m=25
